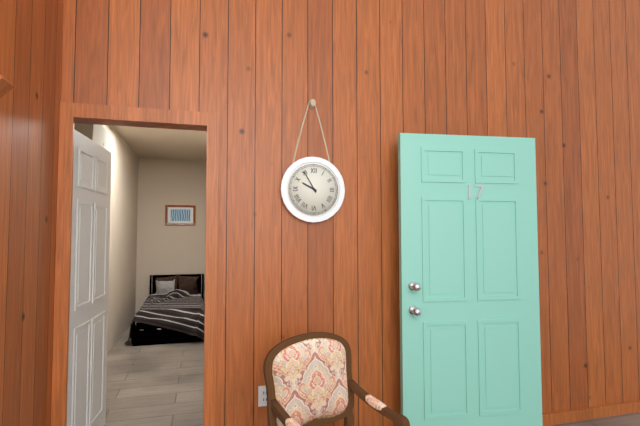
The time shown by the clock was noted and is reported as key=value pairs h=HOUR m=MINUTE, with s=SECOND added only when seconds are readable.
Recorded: h=9 m=55
